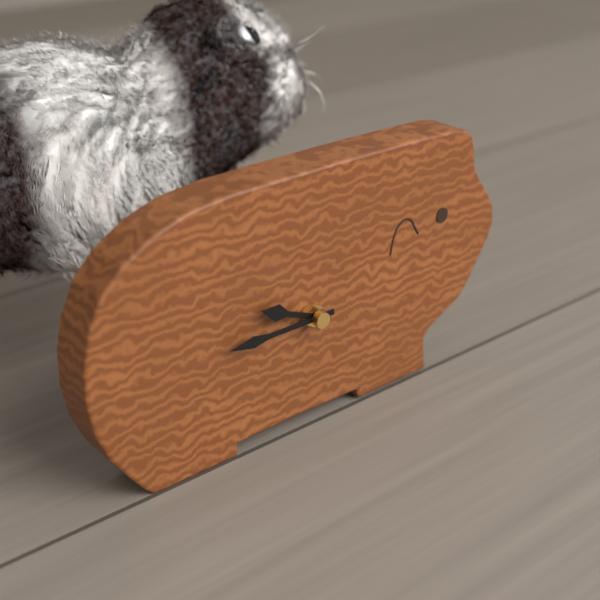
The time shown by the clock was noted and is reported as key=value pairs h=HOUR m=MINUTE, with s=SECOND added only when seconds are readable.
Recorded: h=9 m=45
